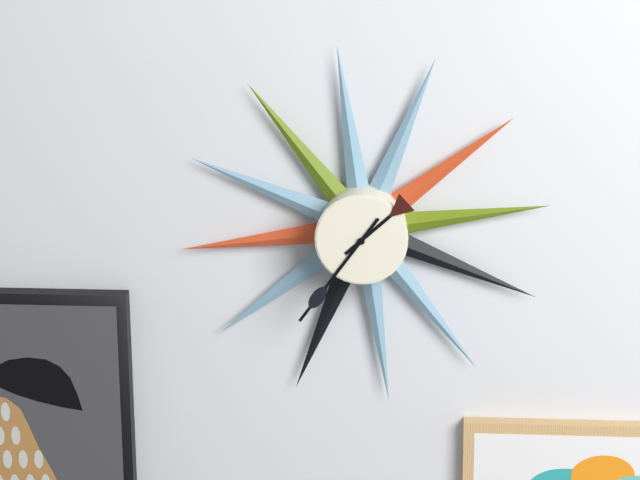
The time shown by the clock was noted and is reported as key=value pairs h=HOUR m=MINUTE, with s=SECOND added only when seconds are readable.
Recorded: h=1 m=36
